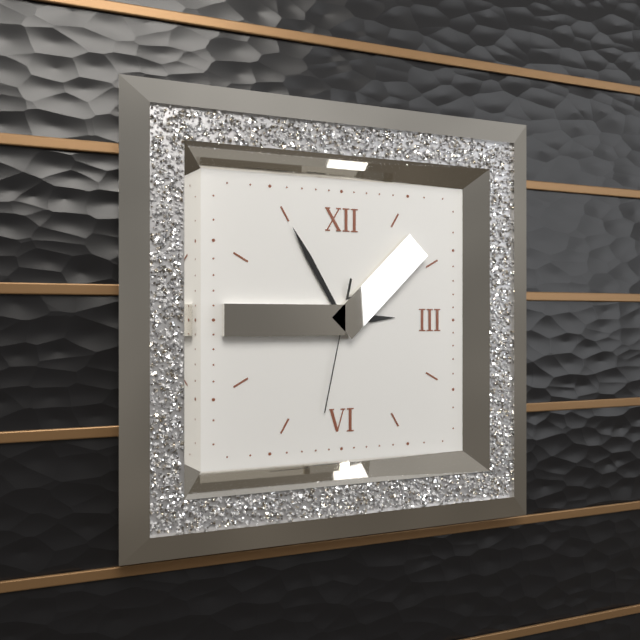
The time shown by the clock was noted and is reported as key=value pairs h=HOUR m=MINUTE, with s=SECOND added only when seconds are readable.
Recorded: h=2 m=55 s=32
